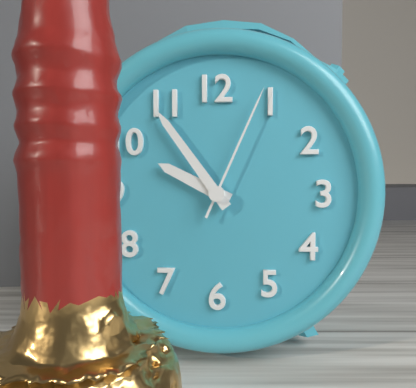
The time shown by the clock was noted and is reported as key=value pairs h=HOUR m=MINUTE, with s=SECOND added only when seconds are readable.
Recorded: h=9 m=54 s=4
